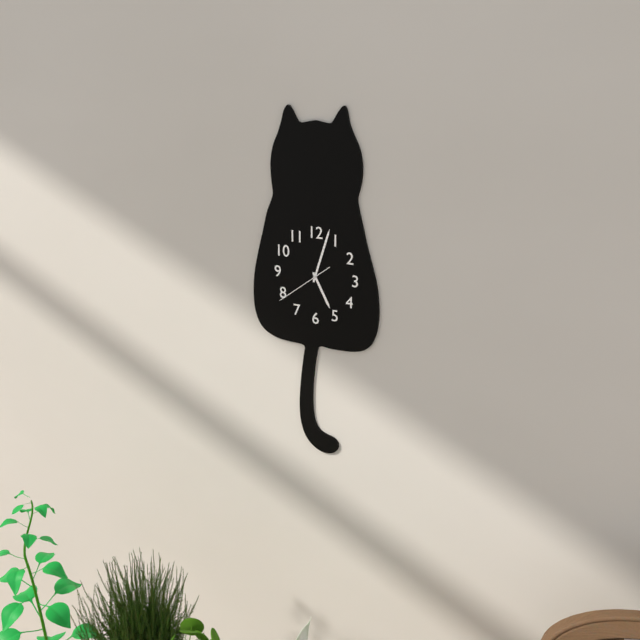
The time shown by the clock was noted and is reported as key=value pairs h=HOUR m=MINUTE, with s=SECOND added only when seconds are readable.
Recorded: h=5 m=3 s=39
